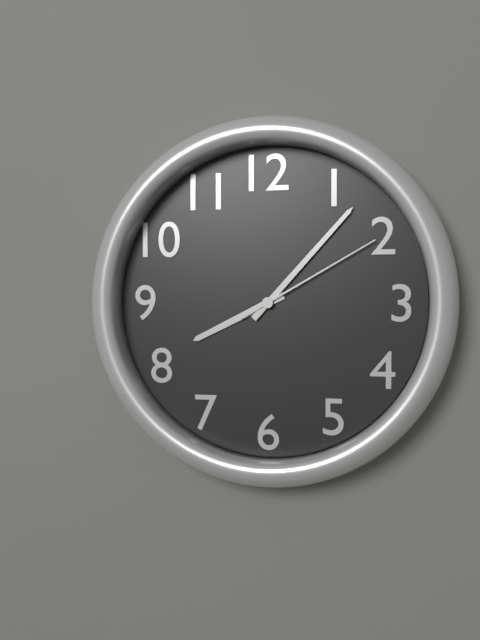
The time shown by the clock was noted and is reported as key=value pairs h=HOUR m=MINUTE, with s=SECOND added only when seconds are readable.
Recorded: h=8 m=7 s=10
